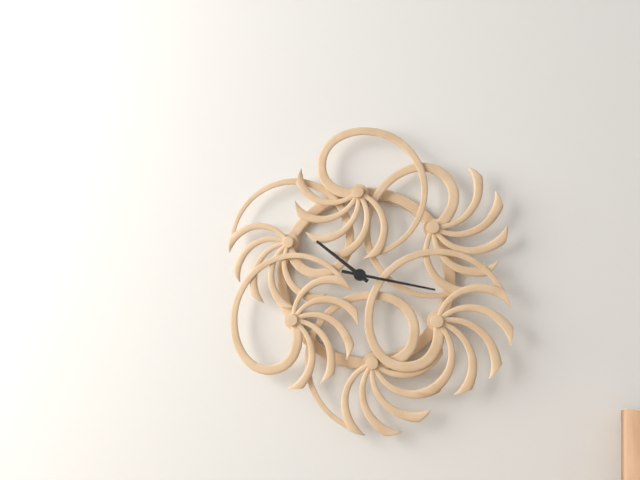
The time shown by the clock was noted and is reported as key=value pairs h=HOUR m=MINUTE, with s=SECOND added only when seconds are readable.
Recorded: h=10 m=17
